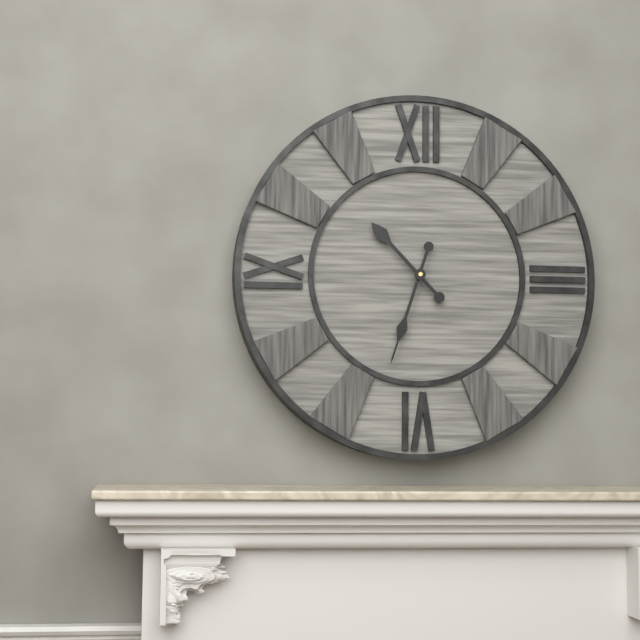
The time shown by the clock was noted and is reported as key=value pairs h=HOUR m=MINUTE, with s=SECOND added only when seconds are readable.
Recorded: h=10 m=33
